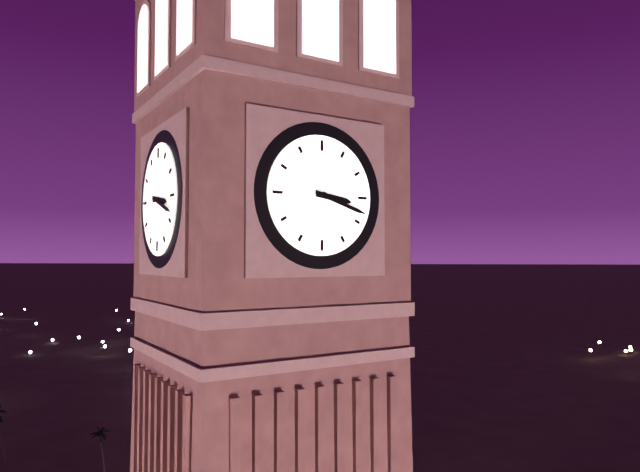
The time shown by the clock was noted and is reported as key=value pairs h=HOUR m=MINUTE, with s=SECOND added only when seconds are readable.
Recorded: h=3 m=18
